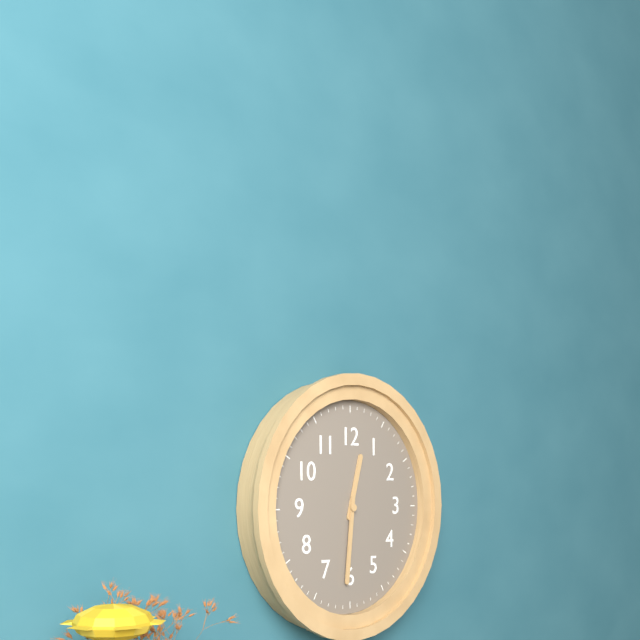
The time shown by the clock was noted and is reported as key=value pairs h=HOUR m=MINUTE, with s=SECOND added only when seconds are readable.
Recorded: h=12 m=31
